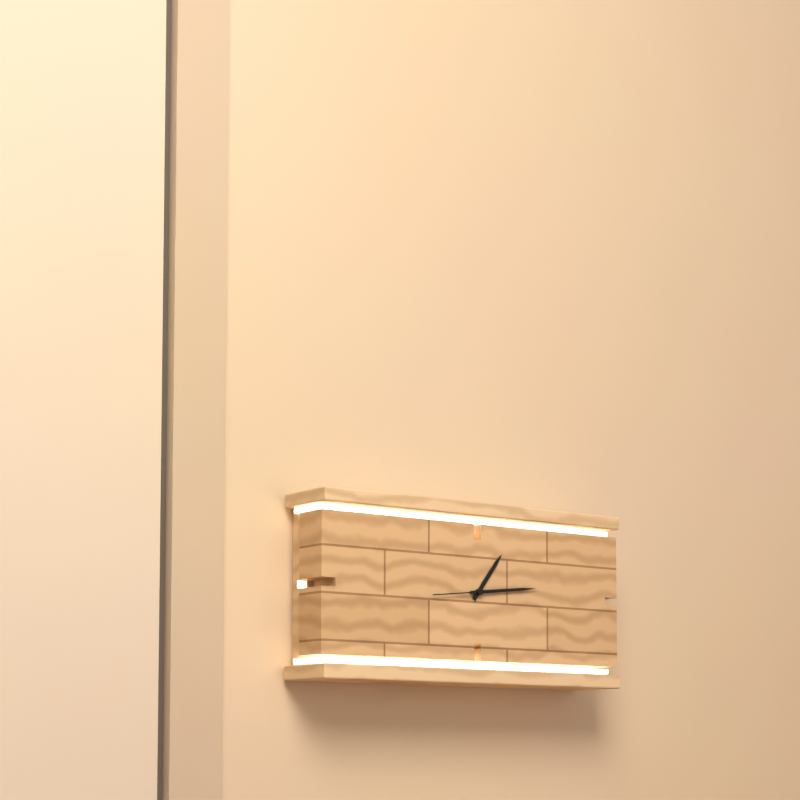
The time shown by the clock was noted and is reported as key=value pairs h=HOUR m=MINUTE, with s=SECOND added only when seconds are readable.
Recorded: h=1 m=14
